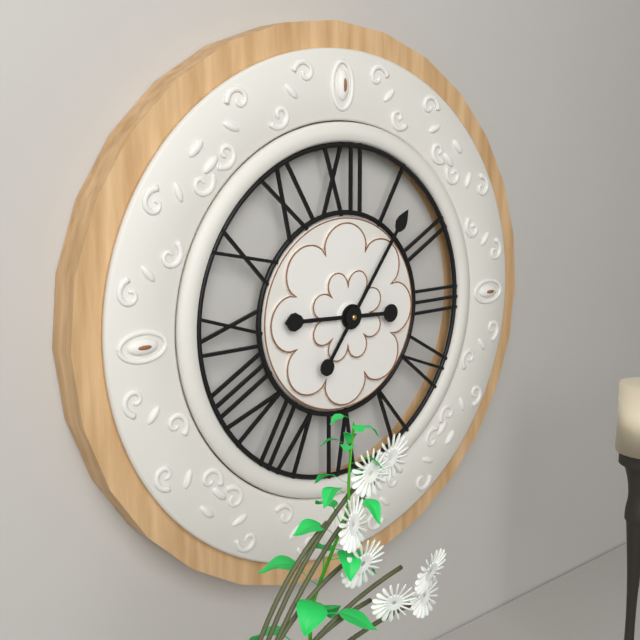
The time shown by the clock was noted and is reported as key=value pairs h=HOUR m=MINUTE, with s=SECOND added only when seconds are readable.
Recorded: h=9 m=6
